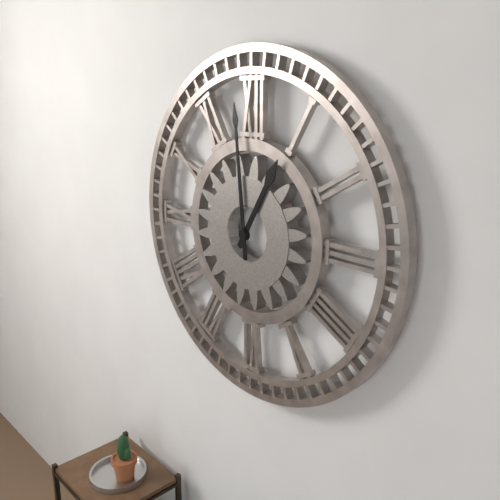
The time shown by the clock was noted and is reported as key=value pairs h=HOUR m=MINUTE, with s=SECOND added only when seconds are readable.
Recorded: h=12 m=59
